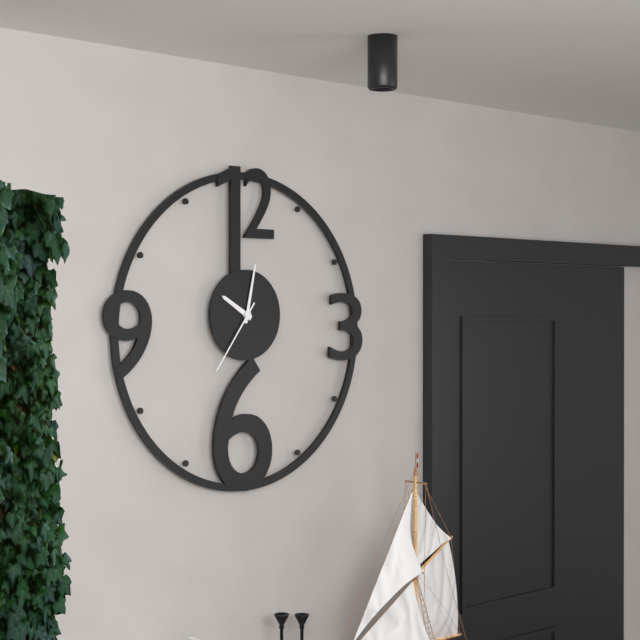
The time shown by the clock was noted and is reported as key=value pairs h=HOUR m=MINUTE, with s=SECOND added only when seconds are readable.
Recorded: h=10 m=2 s=36
